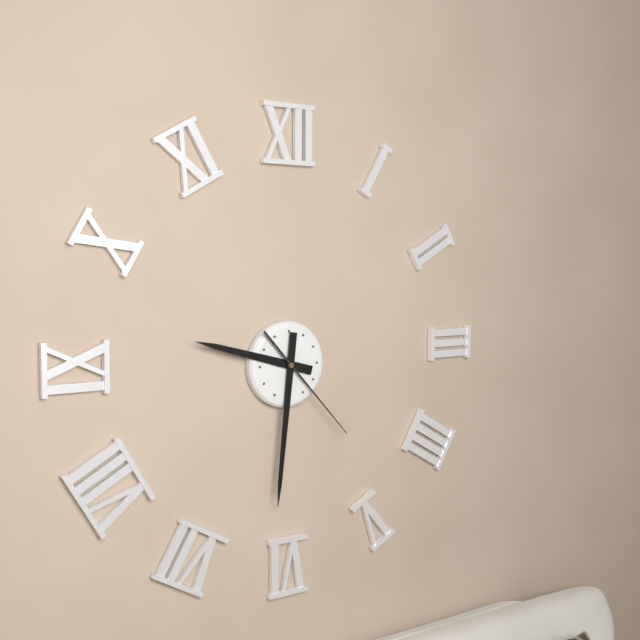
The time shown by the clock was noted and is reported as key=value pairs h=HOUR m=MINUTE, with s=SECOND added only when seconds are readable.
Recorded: h=9 m=31 s=23
